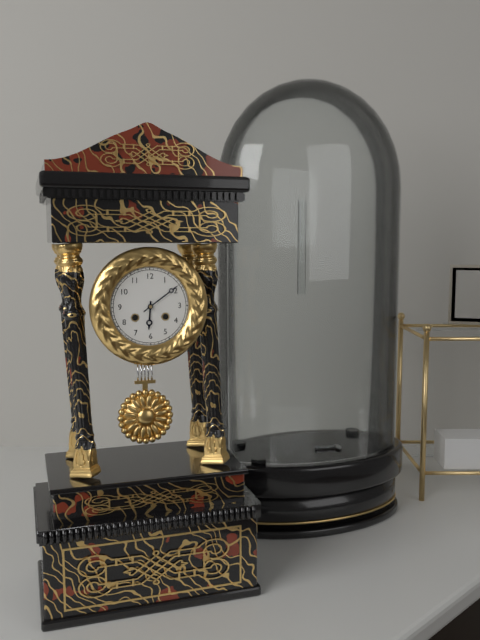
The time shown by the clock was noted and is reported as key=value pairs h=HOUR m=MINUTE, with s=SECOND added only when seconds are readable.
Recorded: h=6 m=9
